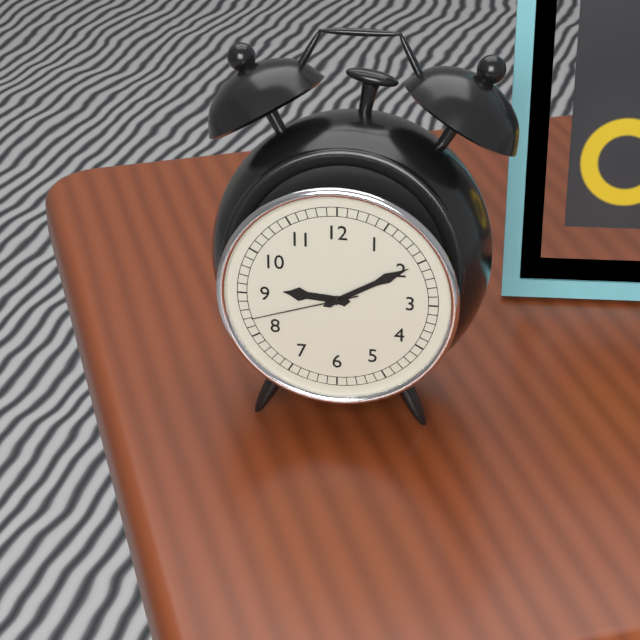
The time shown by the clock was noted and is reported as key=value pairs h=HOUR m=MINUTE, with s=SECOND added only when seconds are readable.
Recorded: h=9 m=10 s=42
